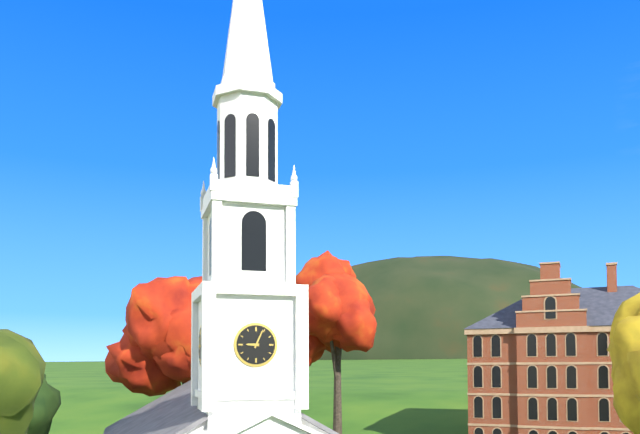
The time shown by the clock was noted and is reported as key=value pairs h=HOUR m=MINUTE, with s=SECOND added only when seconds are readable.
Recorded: h=9 m=4
